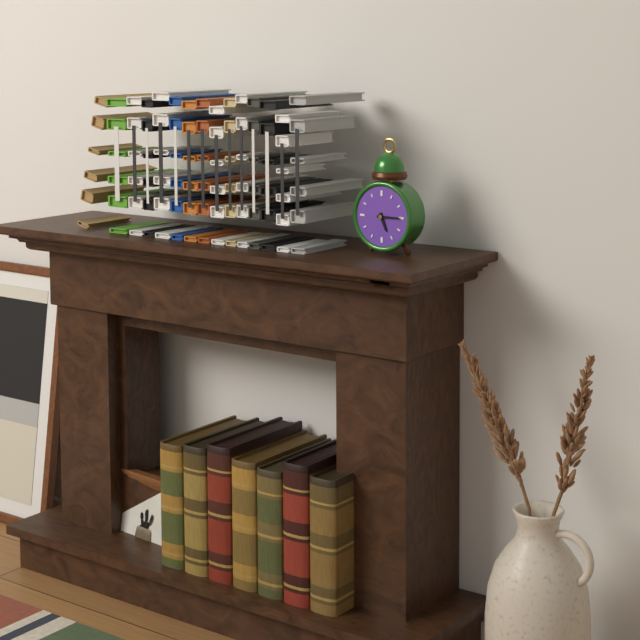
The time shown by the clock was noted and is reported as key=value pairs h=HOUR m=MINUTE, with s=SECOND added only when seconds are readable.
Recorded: h=5 m=15
